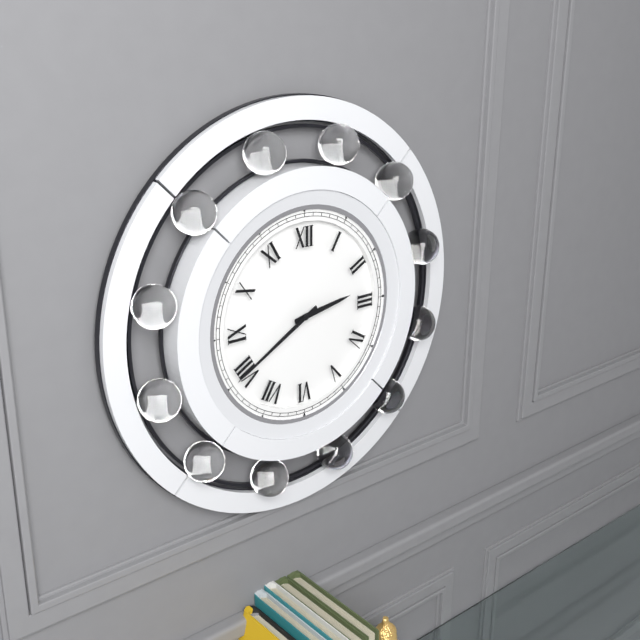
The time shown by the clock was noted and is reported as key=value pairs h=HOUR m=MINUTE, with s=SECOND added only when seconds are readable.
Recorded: h=2 m=40
